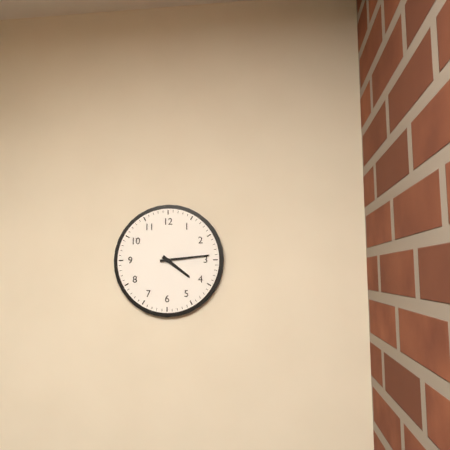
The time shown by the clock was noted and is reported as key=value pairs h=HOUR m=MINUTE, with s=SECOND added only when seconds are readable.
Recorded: h=4 m=14
